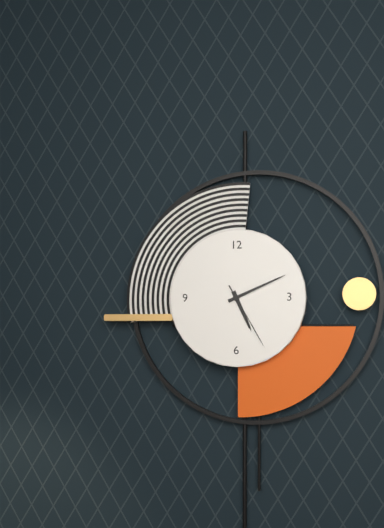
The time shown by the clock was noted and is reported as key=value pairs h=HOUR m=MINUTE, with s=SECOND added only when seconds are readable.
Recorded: h=5 m=11 s=25
